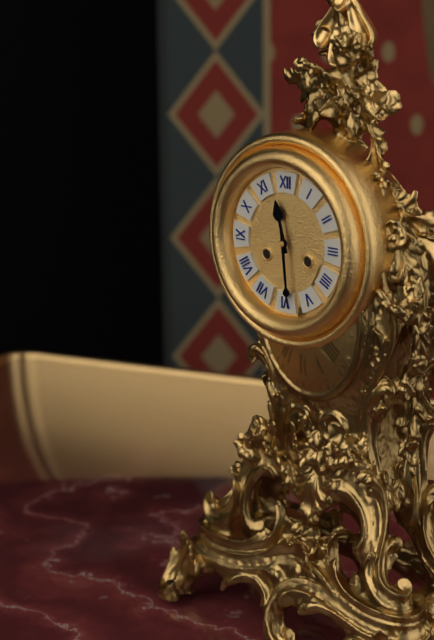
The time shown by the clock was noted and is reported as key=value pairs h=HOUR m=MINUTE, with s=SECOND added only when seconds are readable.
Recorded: h=11 m=29
